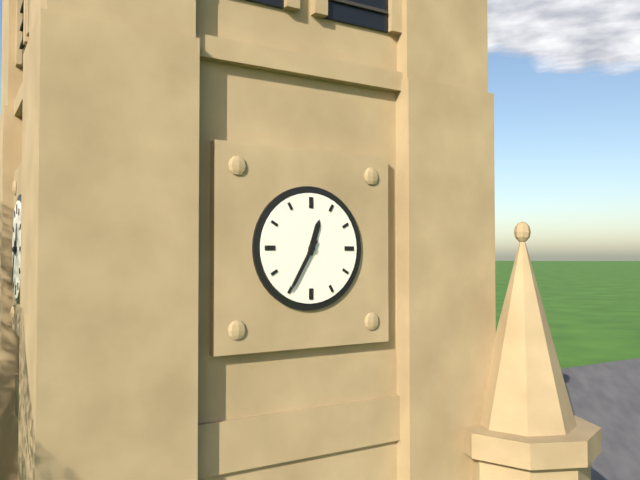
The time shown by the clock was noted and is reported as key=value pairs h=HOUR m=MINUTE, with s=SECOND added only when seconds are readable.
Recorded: h=12 m=35
